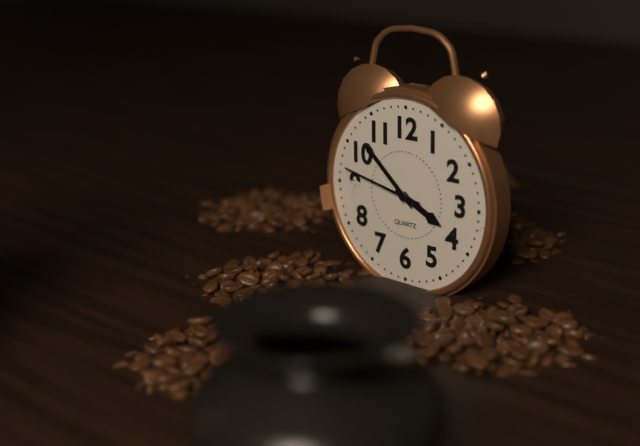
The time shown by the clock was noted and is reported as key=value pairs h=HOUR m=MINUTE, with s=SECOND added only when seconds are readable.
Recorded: h=3 m=52 s=47
